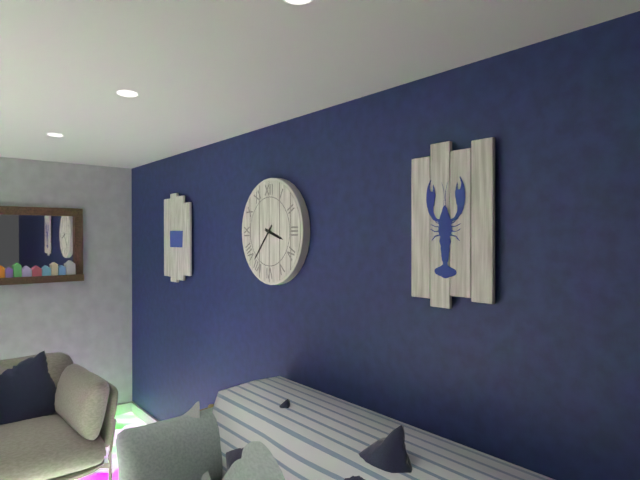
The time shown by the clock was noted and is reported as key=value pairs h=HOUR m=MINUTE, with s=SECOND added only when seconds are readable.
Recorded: h=3 m=37
